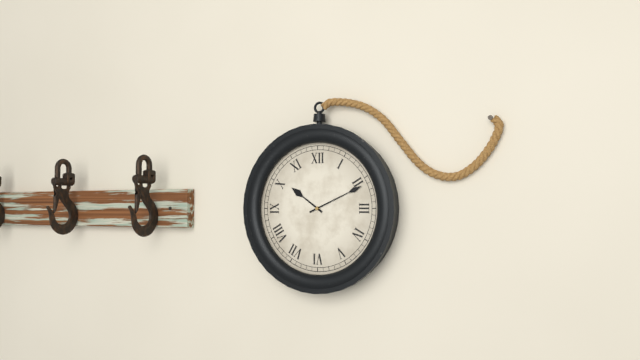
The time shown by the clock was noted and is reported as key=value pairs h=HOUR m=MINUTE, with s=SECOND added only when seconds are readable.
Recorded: h=10 m=11
